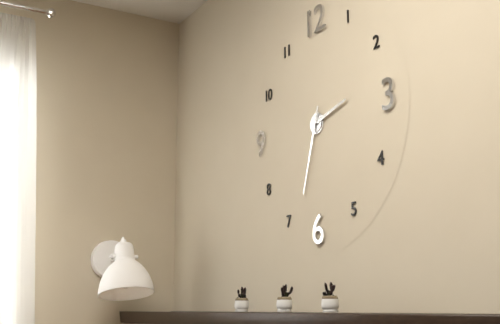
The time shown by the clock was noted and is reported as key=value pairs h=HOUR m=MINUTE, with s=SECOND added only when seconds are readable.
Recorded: h=2 m=33
